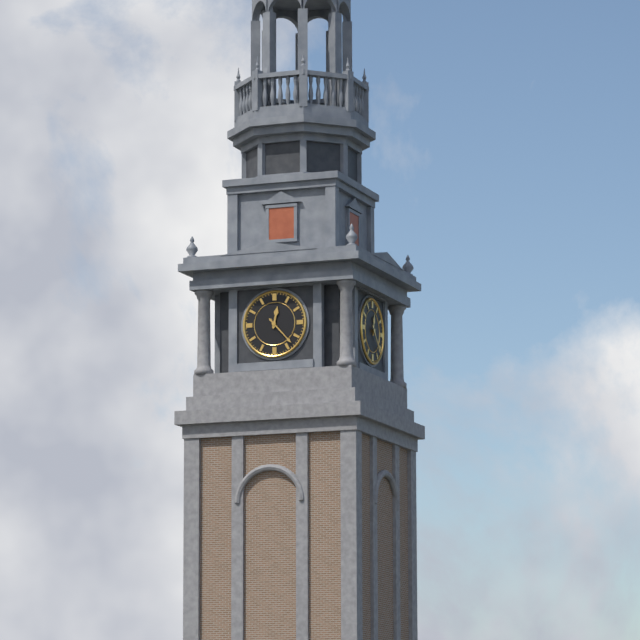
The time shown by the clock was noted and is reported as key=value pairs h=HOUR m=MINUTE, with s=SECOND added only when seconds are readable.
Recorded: h=12 m=23
